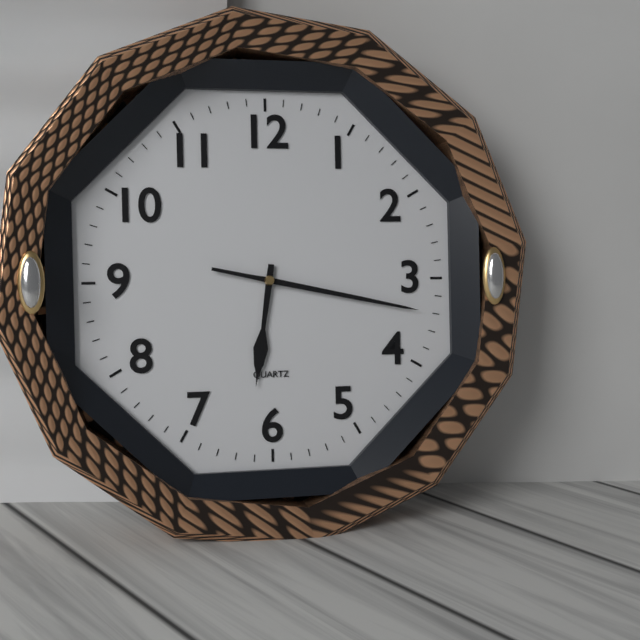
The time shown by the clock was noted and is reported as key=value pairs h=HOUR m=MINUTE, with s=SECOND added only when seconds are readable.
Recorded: h=6 m=17
